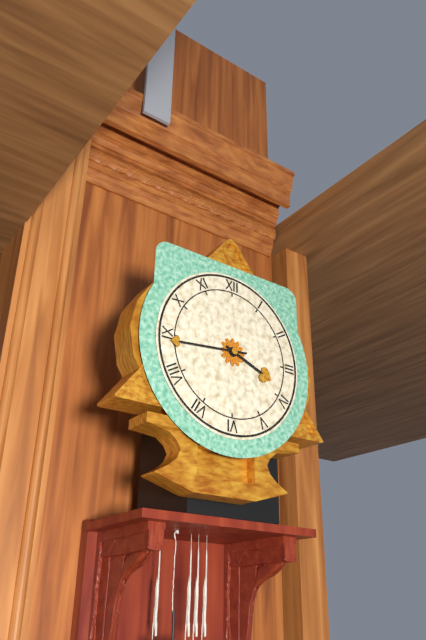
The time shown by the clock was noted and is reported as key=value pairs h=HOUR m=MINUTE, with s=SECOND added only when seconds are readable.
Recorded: h=3 m=44
